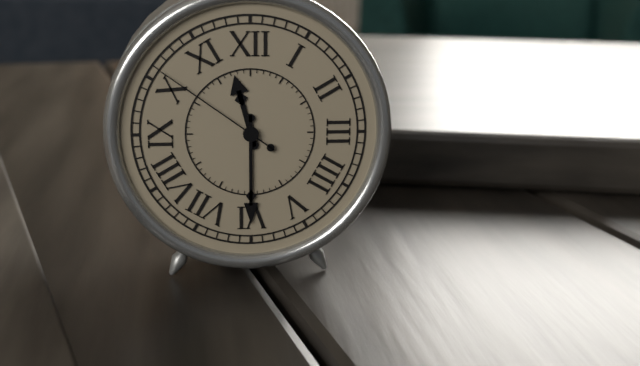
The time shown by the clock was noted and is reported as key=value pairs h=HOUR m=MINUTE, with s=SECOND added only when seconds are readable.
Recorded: h=11 m=30 s=51
